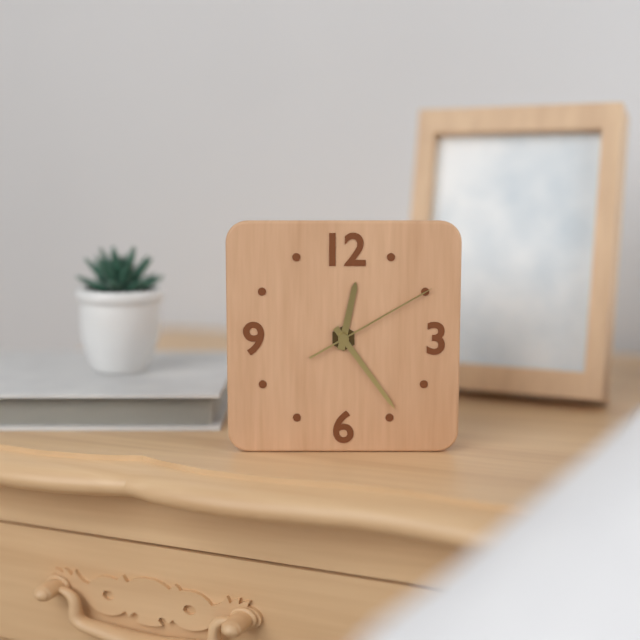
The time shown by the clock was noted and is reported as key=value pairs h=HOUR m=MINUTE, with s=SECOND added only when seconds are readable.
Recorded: h=12 m=24 s=10
